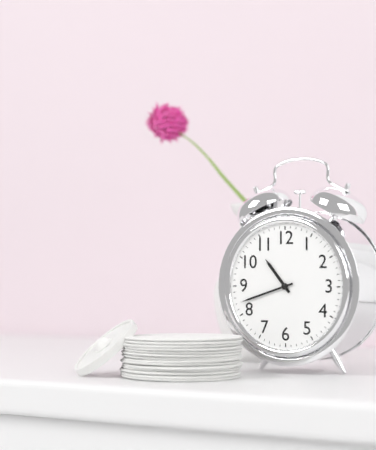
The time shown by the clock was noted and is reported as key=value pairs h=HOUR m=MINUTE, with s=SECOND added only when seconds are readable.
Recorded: h=10 m=42
